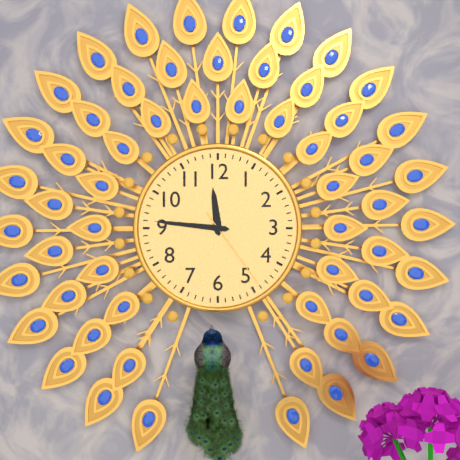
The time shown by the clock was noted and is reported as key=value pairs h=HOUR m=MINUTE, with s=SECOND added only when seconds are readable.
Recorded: h=11 m=46 s=24
